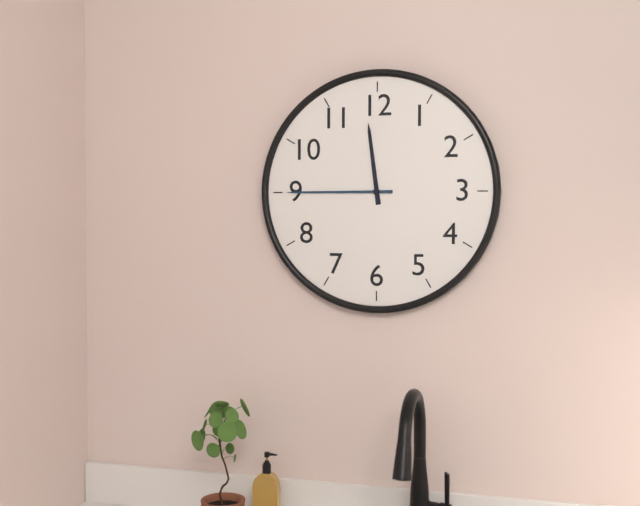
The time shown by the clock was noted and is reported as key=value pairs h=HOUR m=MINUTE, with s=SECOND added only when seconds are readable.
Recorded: h=11 m=45
